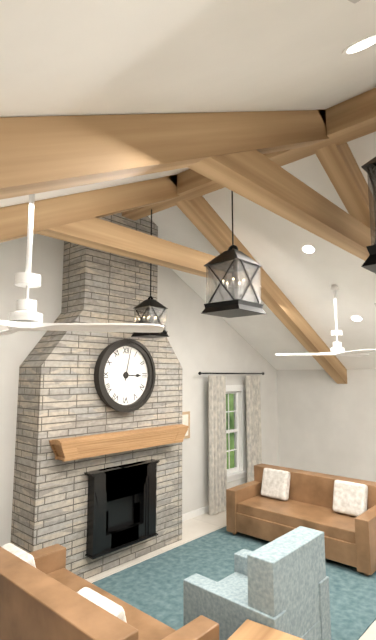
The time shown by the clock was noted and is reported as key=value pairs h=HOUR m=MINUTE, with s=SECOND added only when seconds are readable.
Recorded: h=3 m=2
